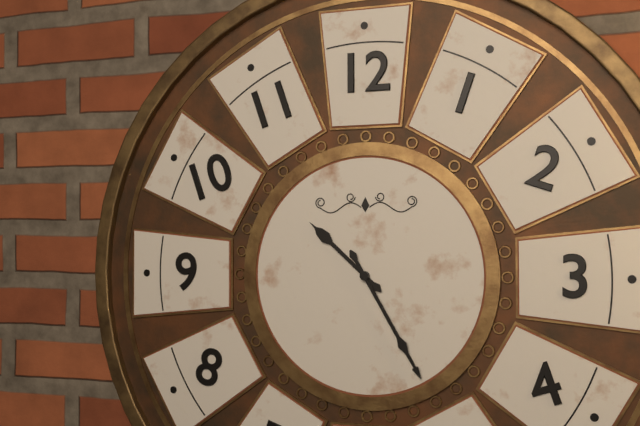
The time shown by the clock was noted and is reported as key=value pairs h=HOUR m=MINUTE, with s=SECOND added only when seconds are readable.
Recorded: h=10 m=25
